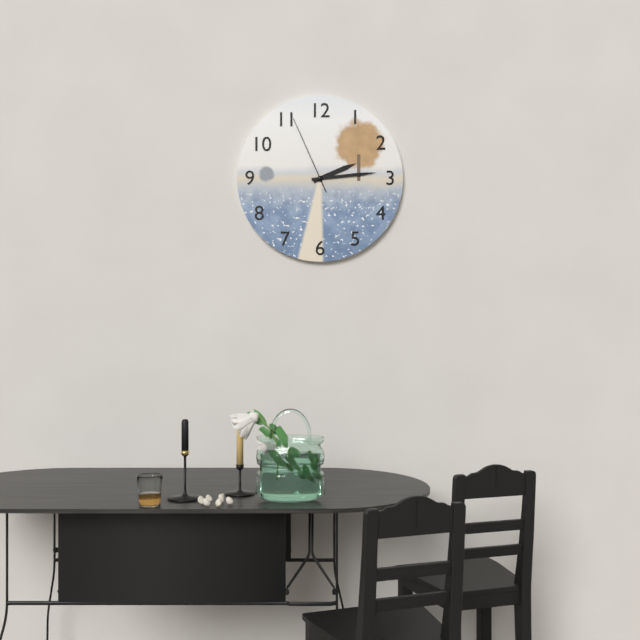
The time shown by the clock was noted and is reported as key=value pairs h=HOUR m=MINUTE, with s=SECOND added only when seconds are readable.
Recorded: h=2 m=14 s=56
